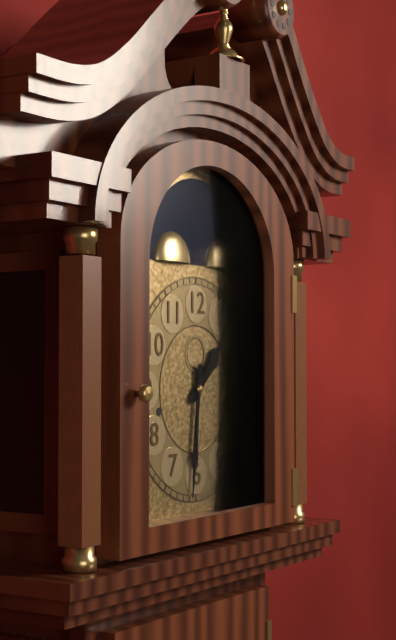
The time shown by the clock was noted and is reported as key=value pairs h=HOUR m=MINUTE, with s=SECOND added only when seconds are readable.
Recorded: h=1 m=31
